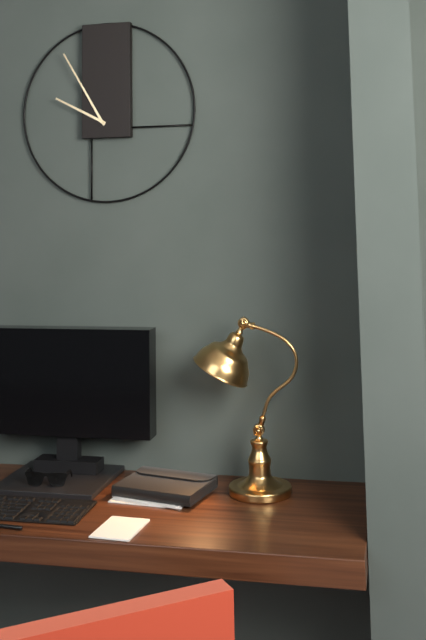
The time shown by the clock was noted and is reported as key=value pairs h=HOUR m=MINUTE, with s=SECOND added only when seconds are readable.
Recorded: h=9 m=55
